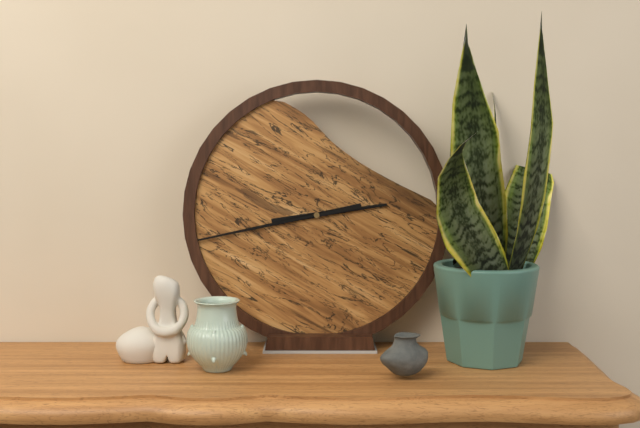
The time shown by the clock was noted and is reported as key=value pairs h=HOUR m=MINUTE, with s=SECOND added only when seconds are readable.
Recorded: h=2 m=43
